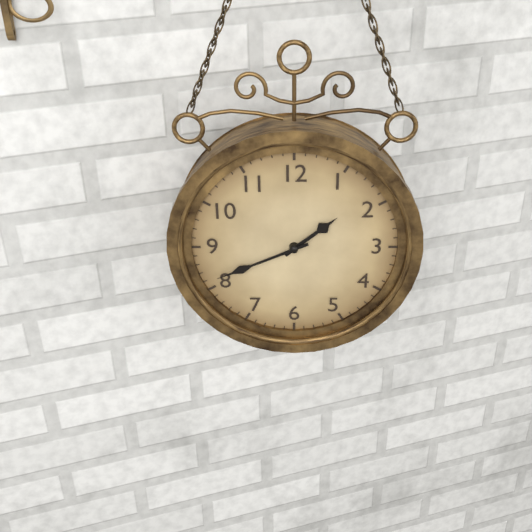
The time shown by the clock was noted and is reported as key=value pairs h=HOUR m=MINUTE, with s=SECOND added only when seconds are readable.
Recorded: h=1 m=41
